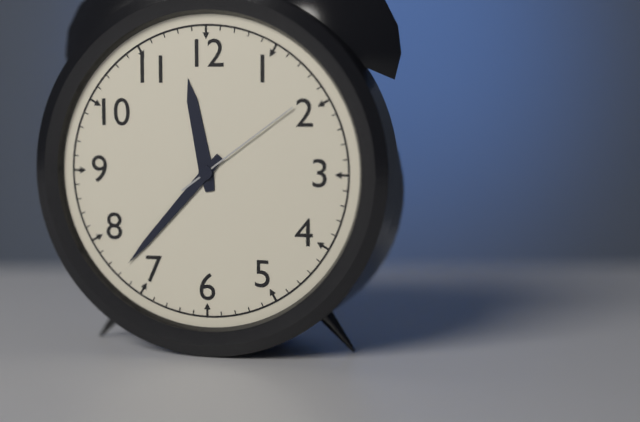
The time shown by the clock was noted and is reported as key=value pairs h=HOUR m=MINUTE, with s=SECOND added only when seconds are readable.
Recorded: h=11 m=37 s=9
